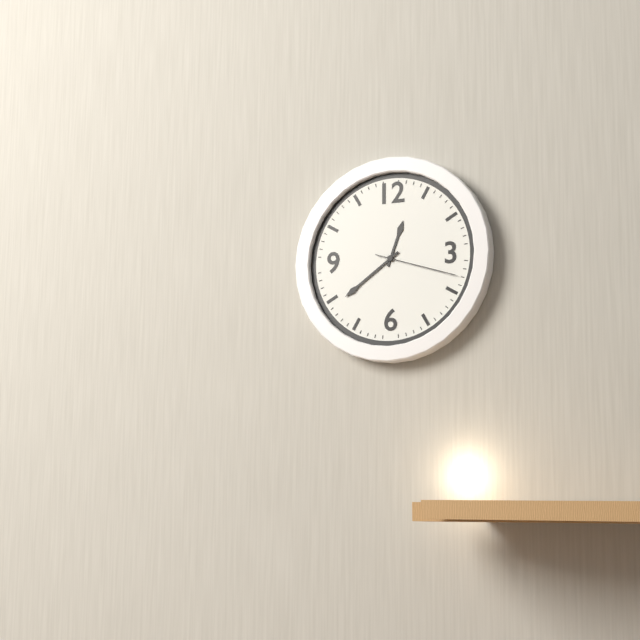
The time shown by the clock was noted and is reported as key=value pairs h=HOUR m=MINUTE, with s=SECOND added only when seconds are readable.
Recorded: h=12 m=39 s=18
